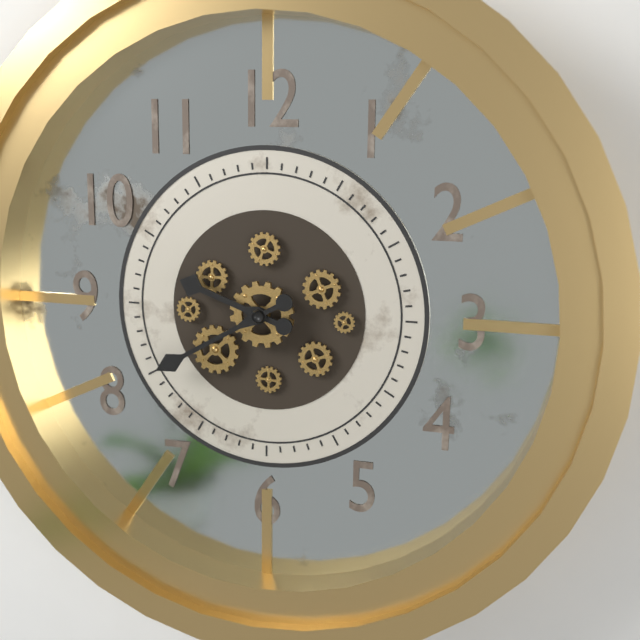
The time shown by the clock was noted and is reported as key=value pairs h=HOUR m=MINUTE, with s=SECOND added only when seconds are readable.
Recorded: h=9 m=40
